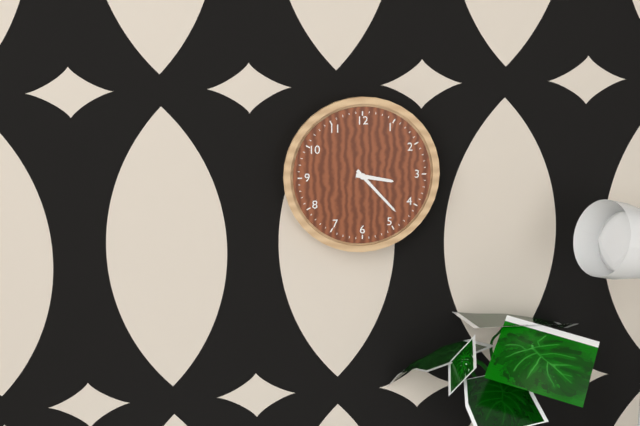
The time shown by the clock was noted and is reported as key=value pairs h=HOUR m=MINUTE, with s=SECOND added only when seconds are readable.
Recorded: h=3 m=23
